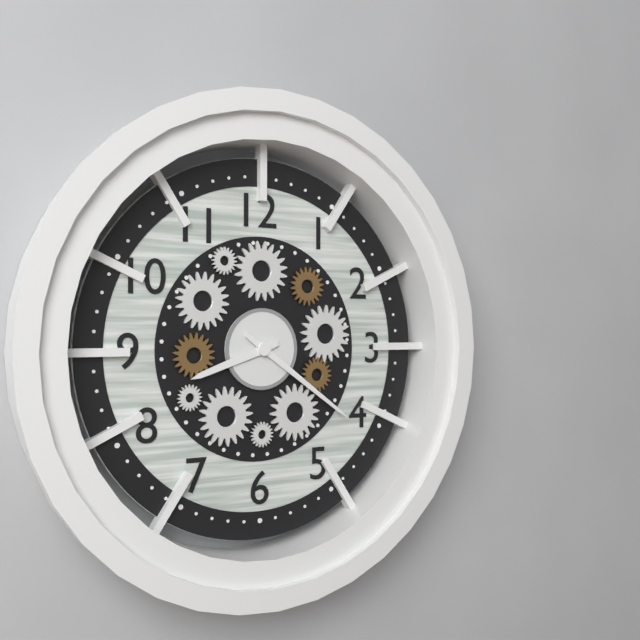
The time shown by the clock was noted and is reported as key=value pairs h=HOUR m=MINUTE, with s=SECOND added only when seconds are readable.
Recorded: h=8 m=21
